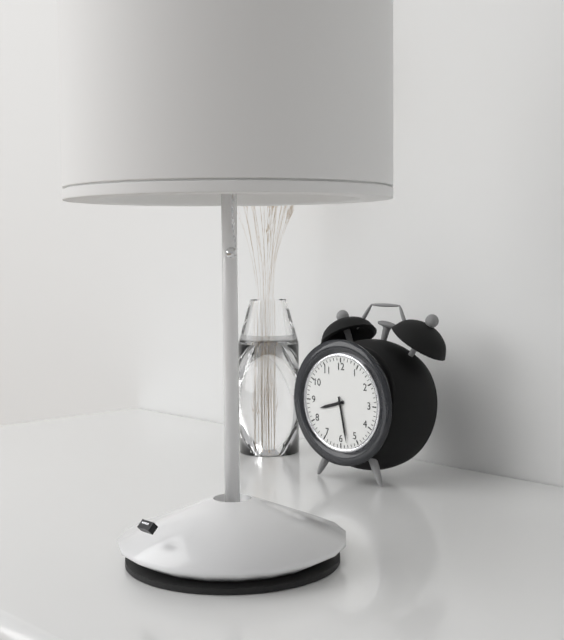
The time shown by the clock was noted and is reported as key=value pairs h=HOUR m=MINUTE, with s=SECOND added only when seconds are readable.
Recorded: h=8 m=28
